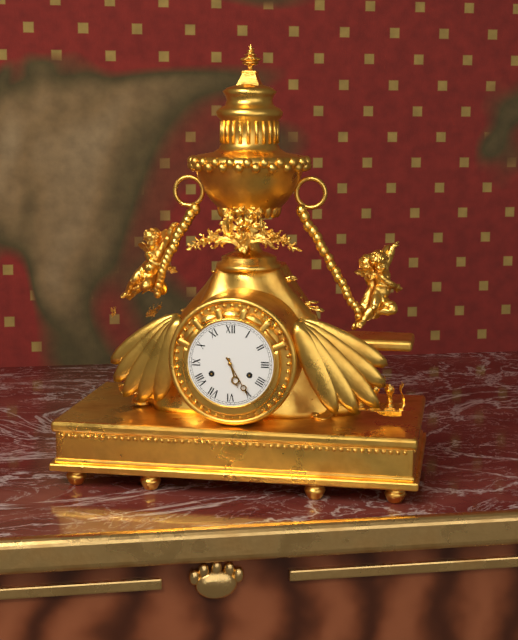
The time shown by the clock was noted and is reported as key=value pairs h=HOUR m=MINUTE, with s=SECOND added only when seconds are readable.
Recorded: h=5 m=25
